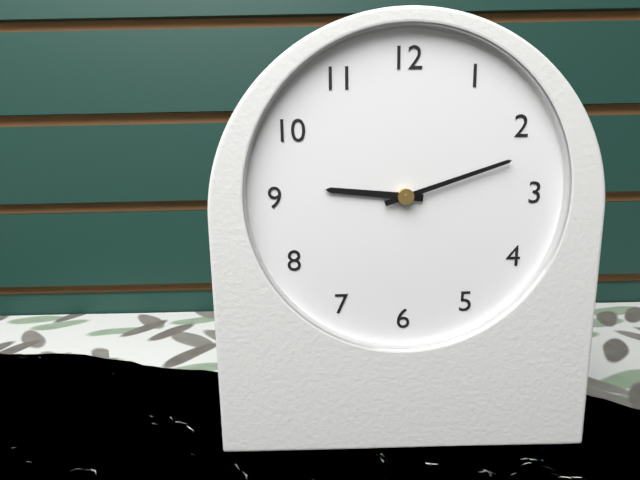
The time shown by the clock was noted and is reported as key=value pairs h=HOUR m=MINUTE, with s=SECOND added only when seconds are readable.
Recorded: h=9 m=12
